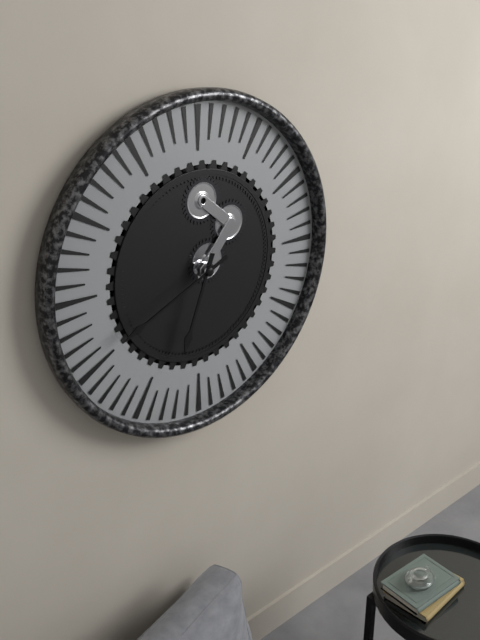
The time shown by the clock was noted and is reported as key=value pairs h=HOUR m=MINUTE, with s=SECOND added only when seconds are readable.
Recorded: h=6 m=41
